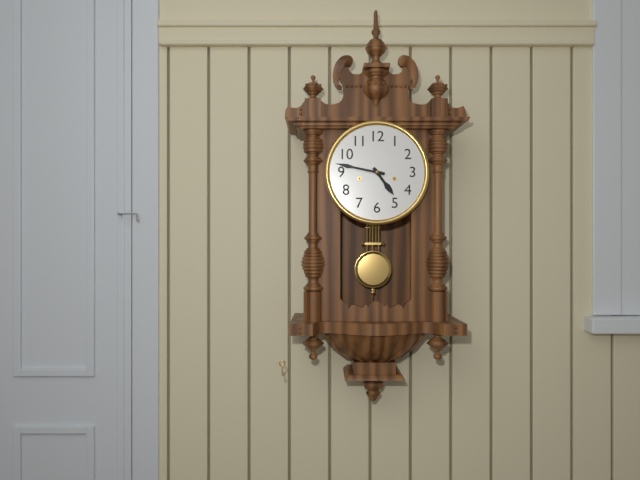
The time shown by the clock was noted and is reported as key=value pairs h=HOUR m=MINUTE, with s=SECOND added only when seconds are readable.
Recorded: h=4 m=47
